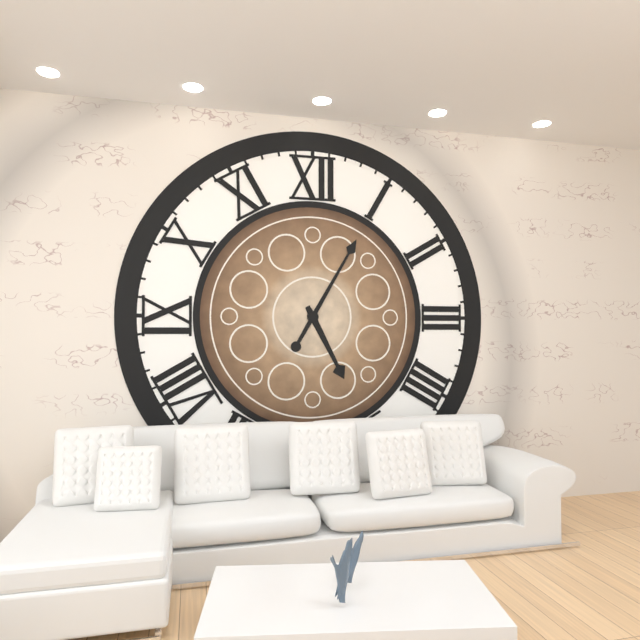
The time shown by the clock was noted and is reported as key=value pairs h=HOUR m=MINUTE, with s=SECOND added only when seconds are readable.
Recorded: h=5 m=5
